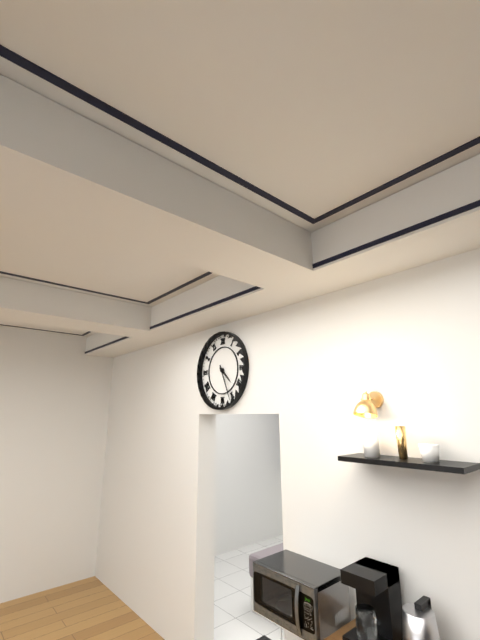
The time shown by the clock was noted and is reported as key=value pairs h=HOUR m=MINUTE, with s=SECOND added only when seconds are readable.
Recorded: h=4 m=26
